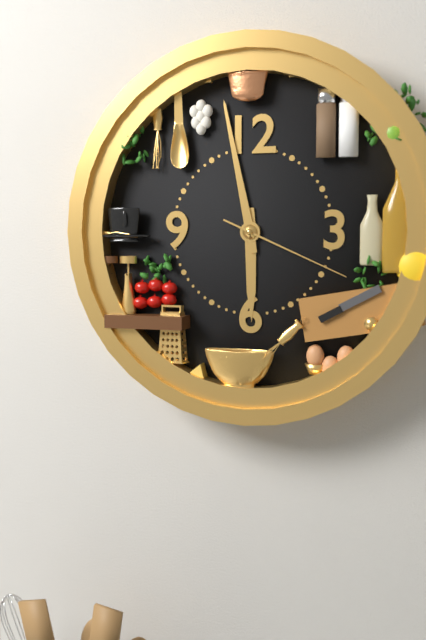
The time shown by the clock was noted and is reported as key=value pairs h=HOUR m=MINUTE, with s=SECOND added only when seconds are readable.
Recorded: h=5 m=58 s=19
